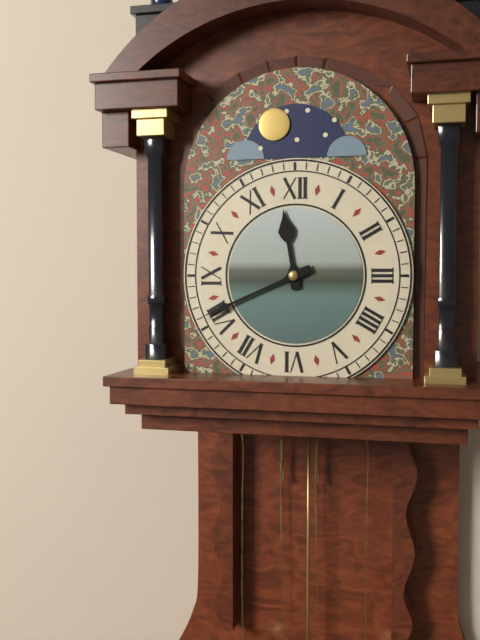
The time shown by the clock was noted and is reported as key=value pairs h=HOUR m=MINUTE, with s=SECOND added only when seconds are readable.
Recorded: h=11 m=41
